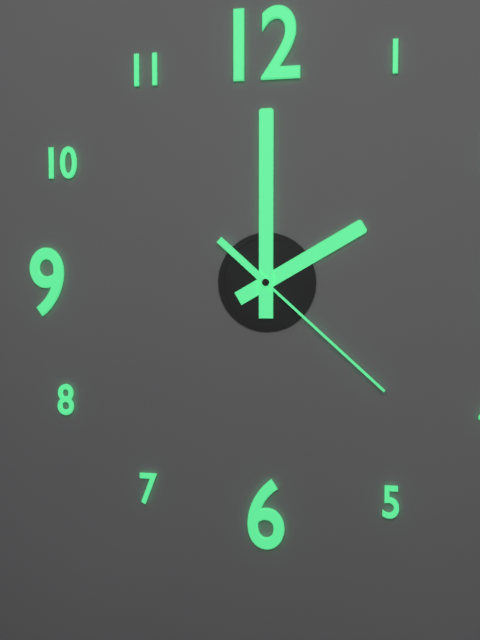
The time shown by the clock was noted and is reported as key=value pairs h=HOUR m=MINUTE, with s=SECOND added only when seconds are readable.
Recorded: h=2 m=0 s=22
